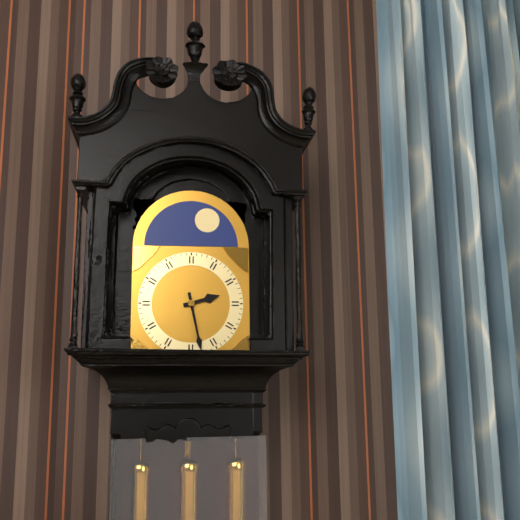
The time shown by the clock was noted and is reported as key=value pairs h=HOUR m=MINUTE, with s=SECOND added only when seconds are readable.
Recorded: h=2 m=28
